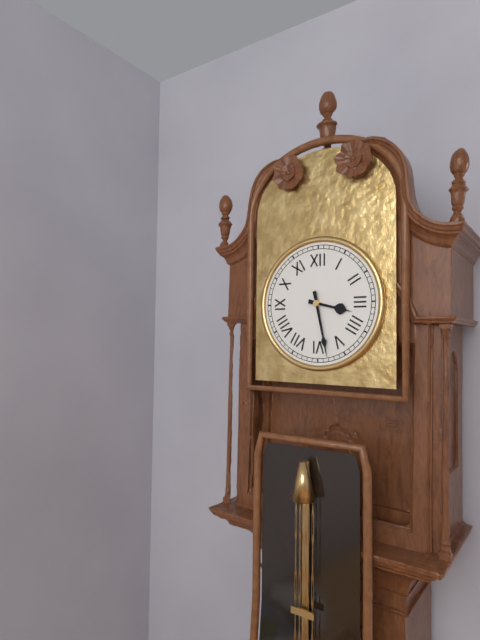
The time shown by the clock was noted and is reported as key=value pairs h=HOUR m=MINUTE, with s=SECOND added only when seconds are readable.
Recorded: h=3 m=28
